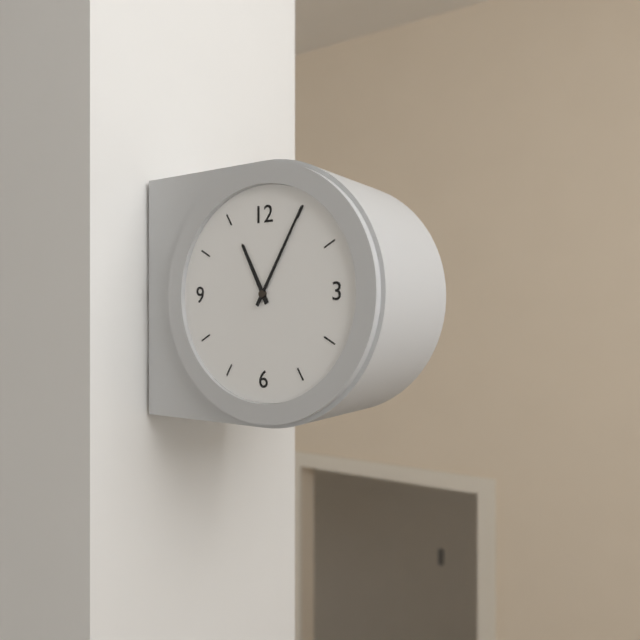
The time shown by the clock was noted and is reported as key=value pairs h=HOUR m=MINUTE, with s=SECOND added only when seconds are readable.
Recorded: h=11 m=5
